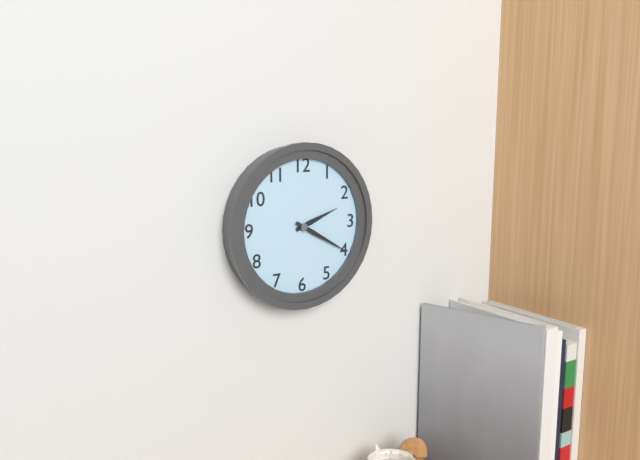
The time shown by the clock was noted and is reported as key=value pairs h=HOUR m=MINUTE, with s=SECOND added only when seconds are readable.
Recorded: h=2 m=20
